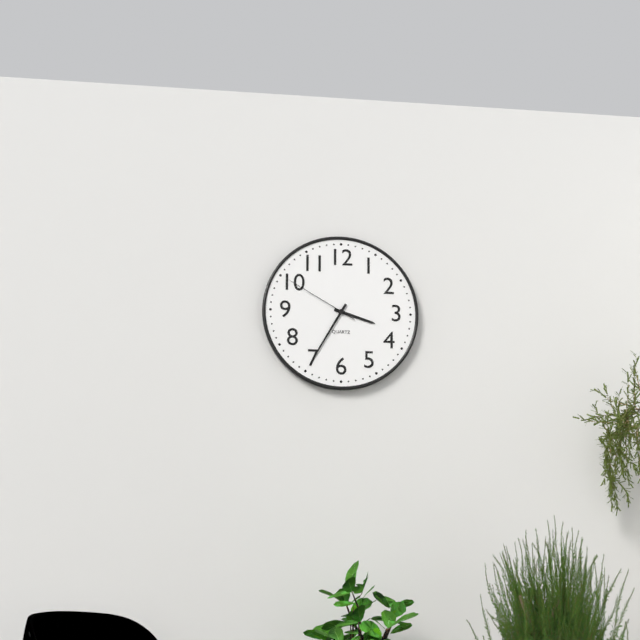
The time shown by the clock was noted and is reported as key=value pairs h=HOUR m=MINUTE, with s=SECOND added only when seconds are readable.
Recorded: h=3 m=35 s=50
